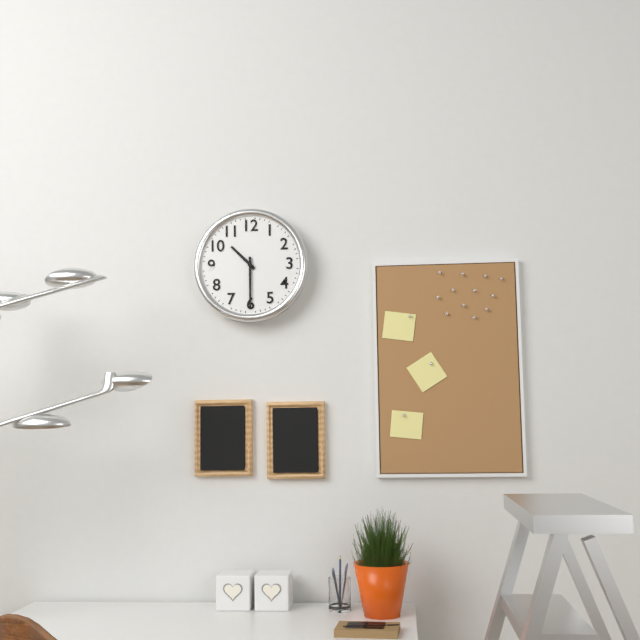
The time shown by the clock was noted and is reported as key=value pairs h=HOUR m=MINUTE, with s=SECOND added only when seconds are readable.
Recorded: h=10 m=30
